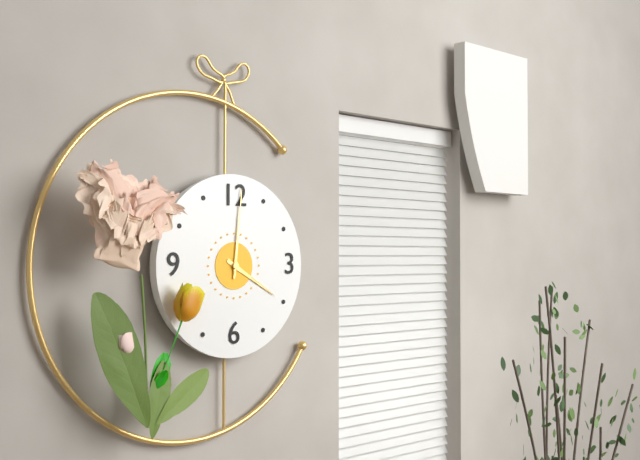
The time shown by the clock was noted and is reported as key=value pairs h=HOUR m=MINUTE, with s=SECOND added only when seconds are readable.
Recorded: h=4 m=1
